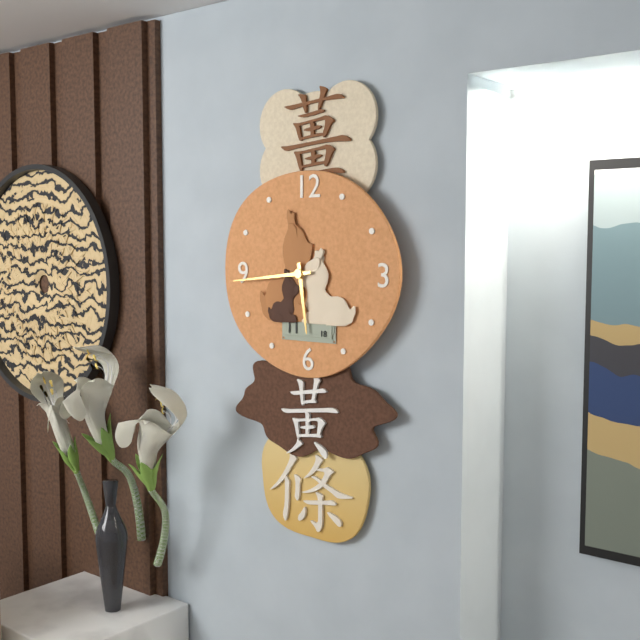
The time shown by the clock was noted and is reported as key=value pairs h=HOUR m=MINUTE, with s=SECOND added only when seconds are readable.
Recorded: h=5 m=44
